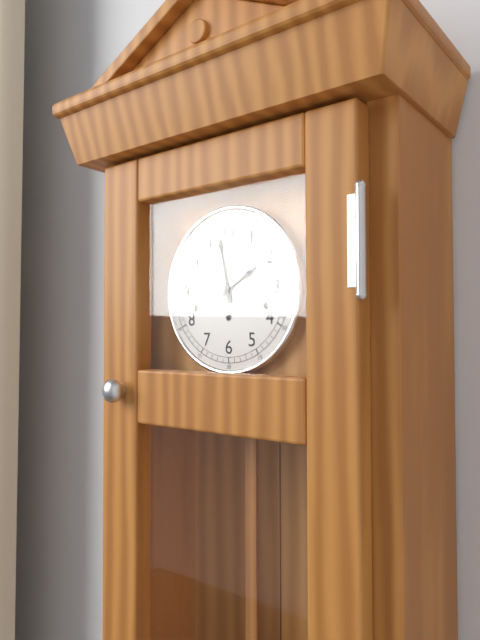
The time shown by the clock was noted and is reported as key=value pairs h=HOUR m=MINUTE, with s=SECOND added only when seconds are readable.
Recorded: h=1 m=58
